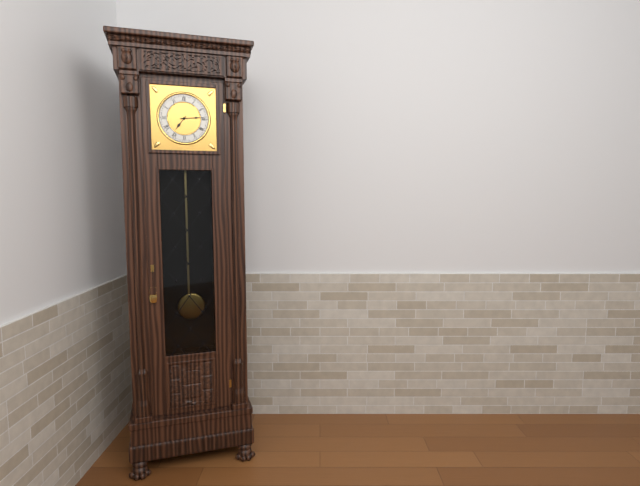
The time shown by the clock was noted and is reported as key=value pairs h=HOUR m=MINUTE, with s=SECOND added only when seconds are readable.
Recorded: h=7 m=14
